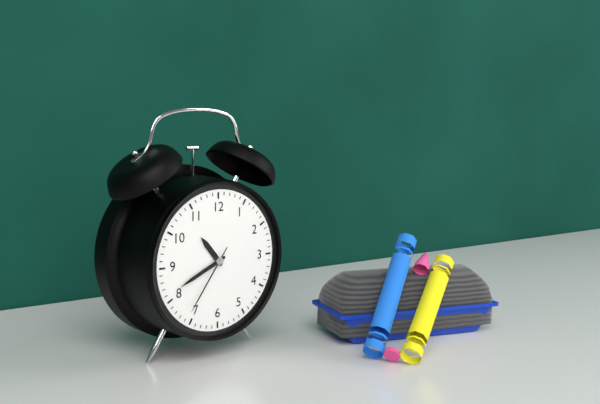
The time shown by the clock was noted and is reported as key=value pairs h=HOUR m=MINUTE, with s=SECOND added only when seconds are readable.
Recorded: h=10 m=41 s=36
